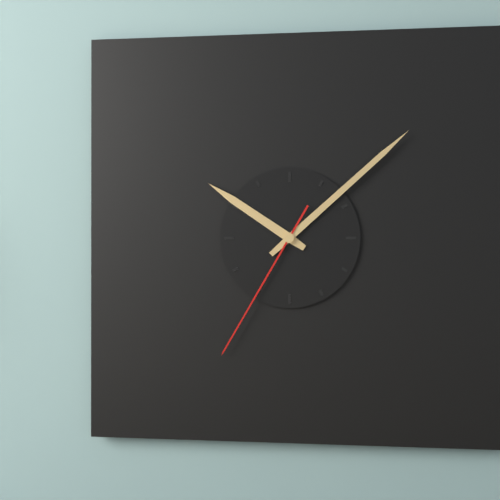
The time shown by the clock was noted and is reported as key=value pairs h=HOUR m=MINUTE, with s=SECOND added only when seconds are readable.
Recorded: h=10 m=8 s=35
